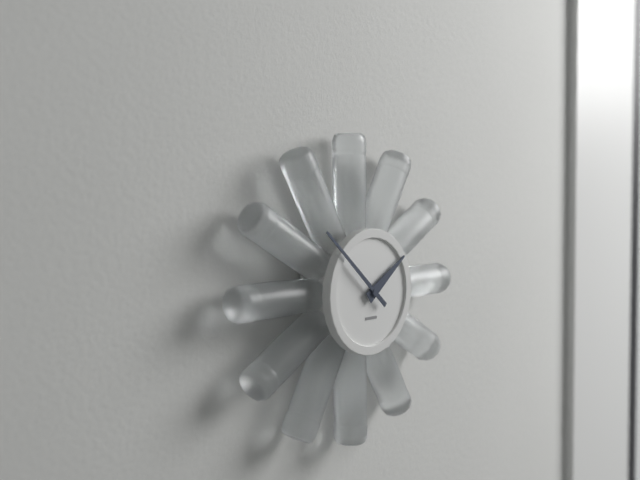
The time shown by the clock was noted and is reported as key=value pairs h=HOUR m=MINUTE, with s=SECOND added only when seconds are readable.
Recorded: h=1 m=52
